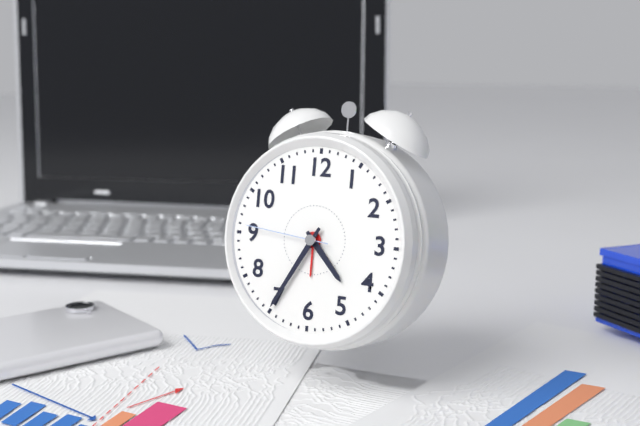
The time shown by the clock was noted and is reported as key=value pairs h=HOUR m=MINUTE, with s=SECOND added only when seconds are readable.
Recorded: h=4 m=35 s=46
